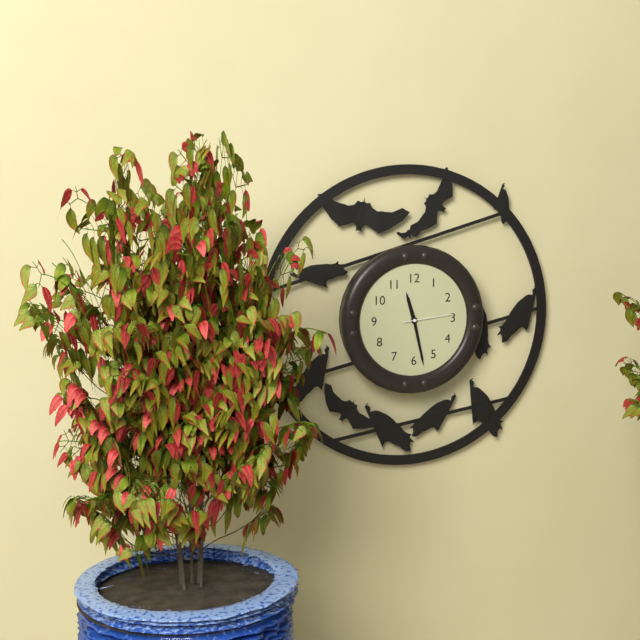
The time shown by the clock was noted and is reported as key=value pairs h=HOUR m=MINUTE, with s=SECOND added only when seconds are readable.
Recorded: h=11 m=28
